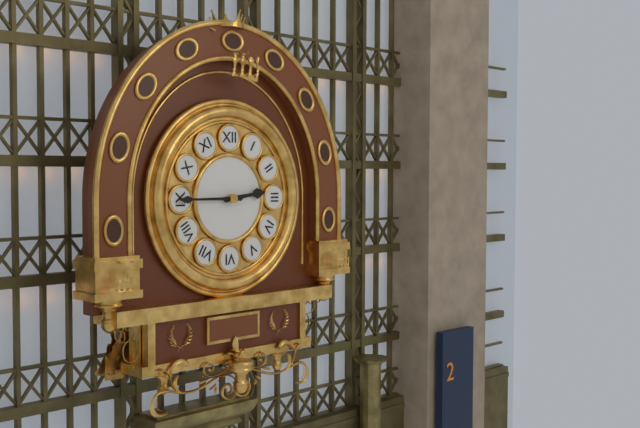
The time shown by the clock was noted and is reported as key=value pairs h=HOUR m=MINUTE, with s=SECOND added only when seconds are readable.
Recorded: h=2 m=45
